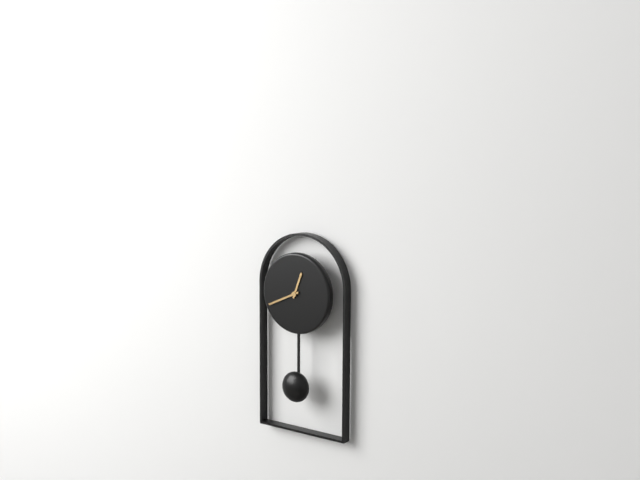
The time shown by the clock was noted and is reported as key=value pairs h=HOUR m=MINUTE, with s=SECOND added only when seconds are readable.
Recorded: h=12 m=41
